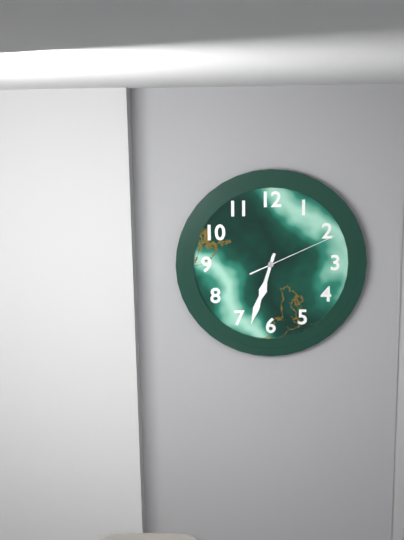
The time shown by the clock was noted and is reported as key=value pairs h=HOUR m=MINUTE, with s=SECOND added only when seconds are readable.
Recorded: h=6 m=33 s=11
